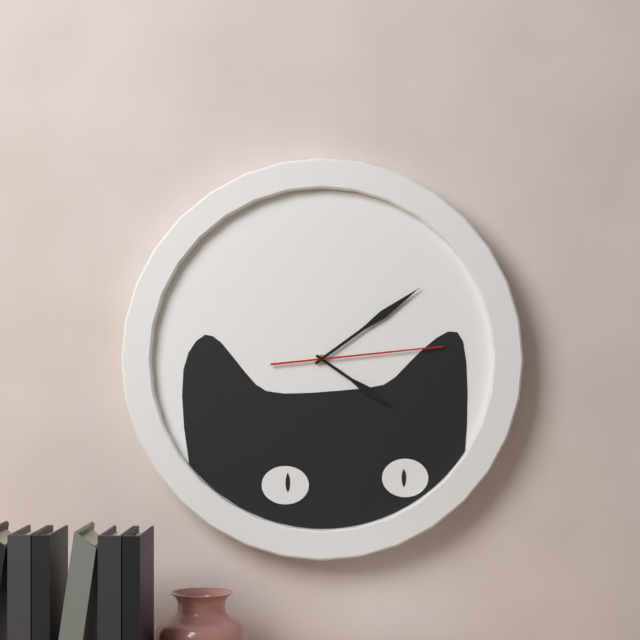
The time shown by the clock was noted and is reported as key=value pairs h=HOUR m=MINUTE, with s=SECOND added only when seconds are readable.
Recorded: h=4 m=9 s=14
